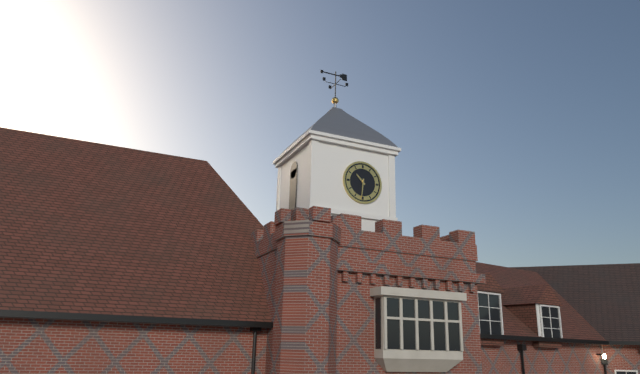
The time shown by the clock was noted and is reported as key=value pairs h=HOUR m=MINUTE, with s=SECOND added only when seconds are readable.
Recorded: h=10 m=31
